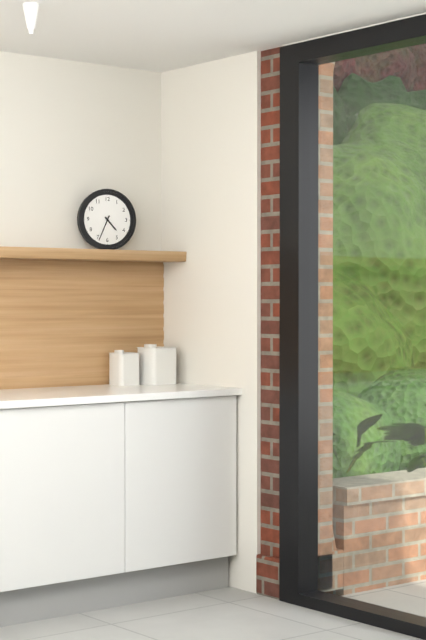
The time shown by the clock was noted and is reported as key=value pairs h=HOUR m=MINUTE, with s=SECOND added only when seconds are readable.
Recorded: h=4 m=34
